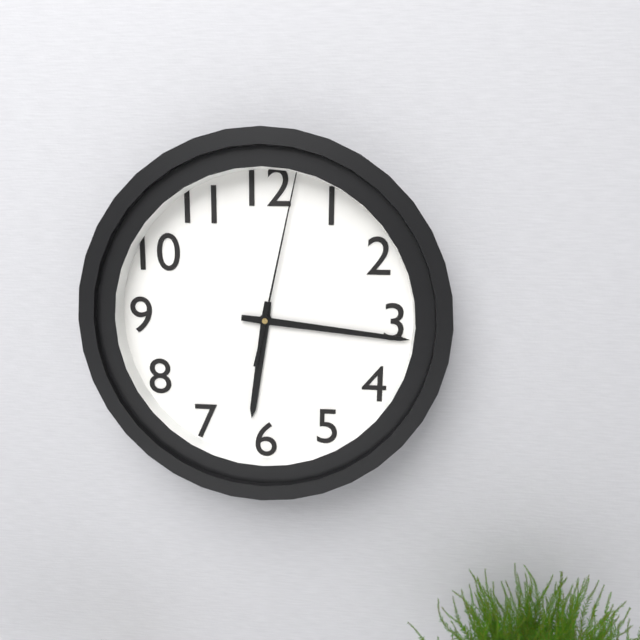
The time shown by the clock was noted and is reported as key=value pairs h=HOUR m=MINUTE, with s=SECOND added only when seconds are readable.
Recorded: h=6 m=16 s=2
